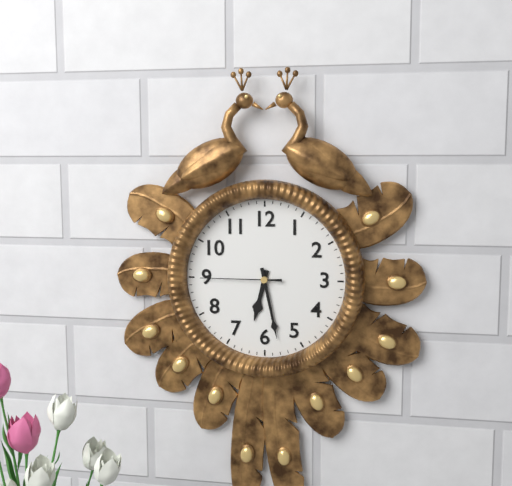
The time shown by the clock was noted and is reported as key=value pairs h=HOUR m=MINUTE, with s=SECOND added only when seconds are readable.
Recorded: h=6 m=28 s=45
